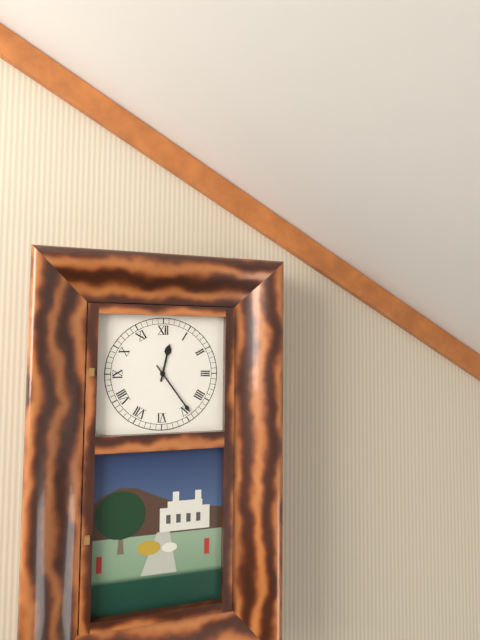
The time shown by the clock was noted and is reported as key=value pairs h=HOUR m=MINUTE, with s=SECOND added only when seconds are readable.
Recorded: h=12 m=24
